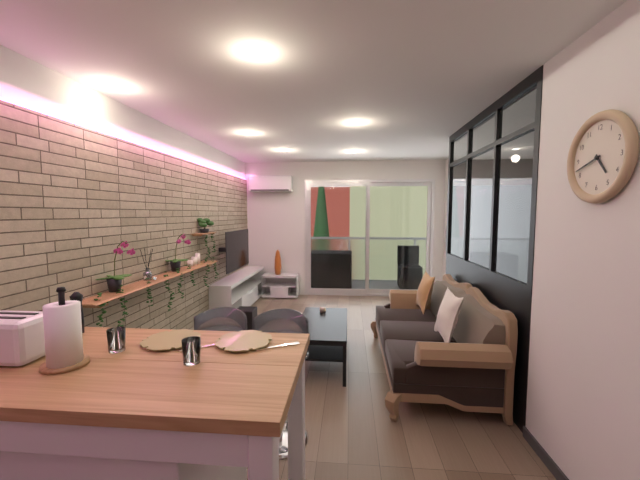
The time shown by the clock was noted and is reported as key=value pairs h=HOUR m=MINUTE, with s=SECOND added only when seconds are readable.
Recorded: h=4 m=42
